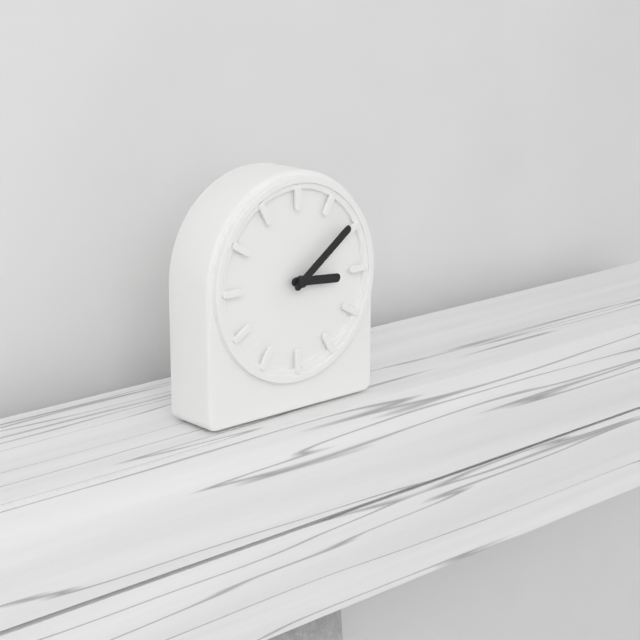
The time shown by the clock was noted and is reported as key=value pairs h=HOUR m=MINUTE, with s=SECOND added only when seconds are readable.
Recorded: h=3 m=9
